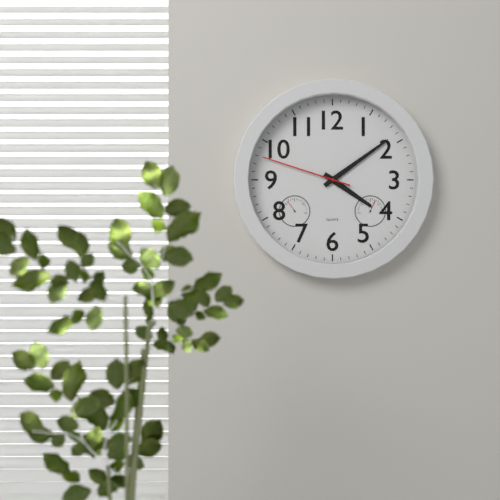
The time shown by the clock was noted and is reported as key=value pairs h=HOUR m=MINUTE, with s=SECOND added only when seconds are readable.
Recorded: h=4 m=9 s=48
